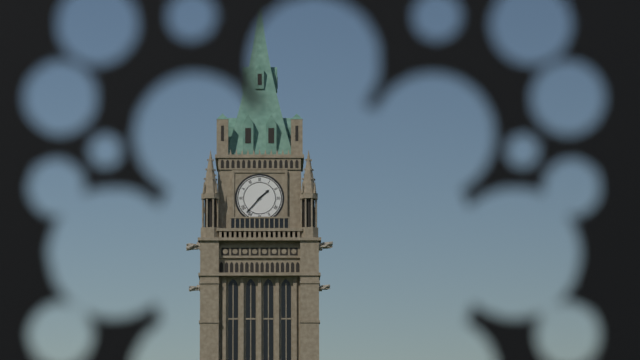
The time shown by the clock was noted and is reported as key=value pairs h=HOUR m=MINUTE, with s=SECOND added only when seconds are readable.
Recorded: h=1 m=37
